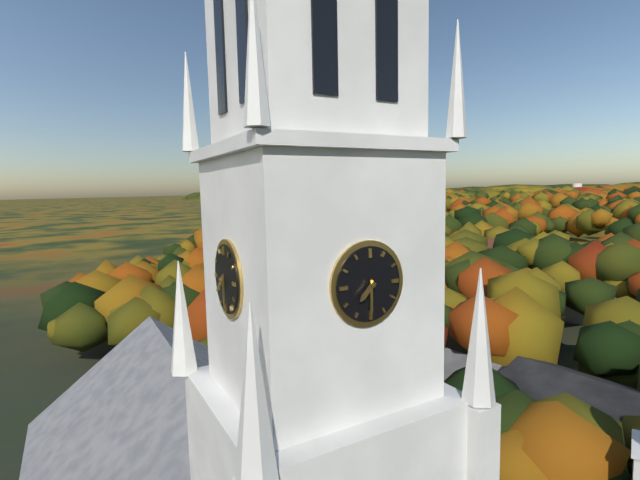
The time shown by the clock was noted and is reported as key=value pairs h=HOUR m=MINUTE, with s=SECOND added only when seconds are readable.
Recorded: h=7 m=30
